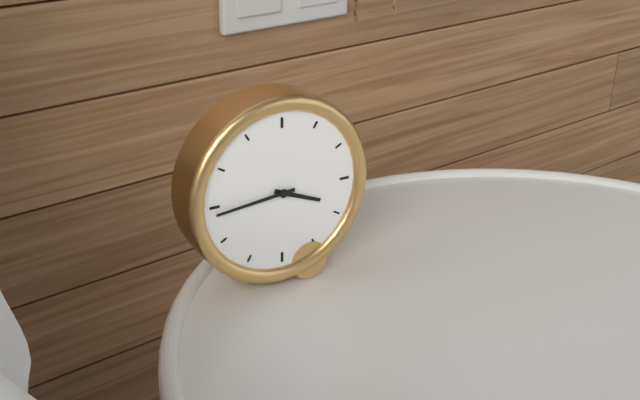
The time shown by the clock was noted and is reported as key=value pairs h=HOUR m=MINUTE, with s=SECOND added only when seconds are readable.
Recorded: h=3 m=44
